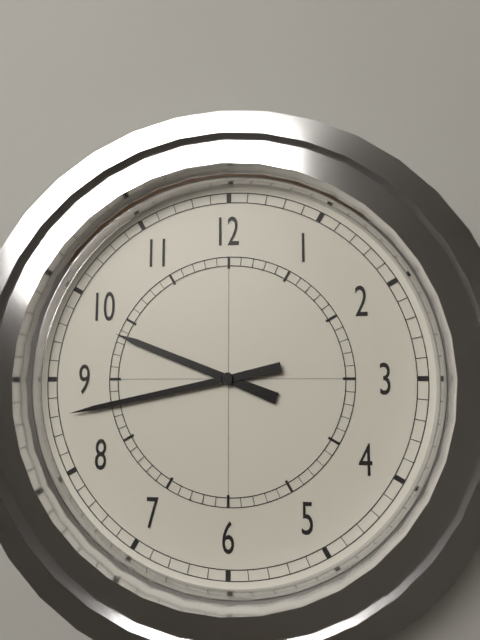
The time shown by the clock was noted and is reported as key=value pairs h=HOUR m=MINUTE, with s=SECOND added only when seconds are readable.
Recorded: h=9 m=43
